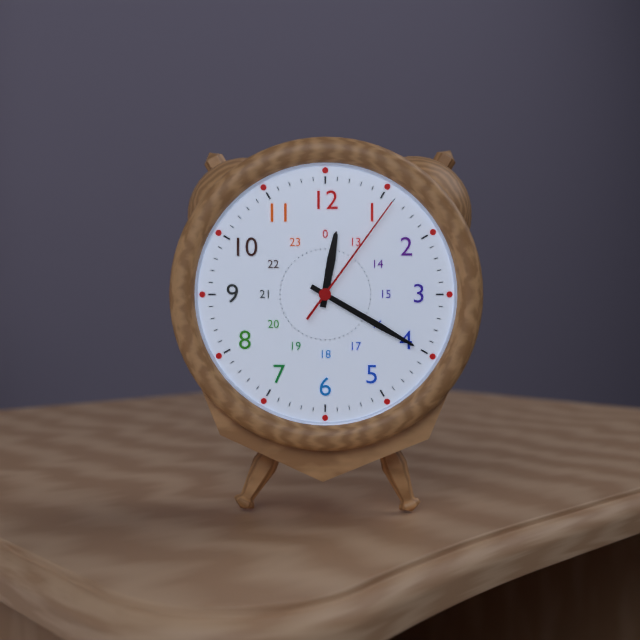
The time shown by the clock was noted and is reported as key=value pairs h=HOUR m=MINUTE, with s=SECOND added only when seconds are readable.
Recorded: h=12 m=20 s=6
